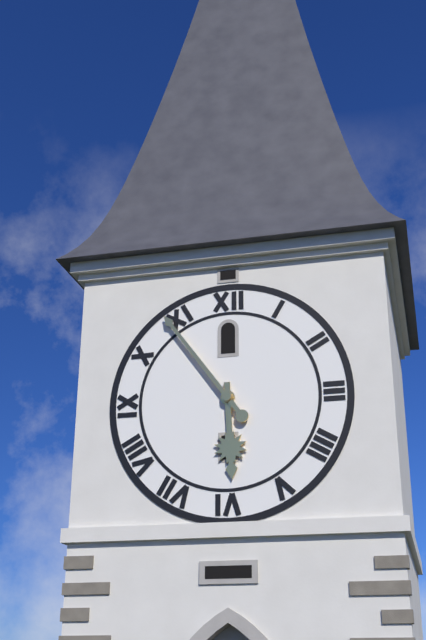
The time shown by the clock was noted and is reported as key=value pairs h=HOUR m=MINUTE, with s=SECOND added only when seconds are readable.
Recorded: h=5 m=54
